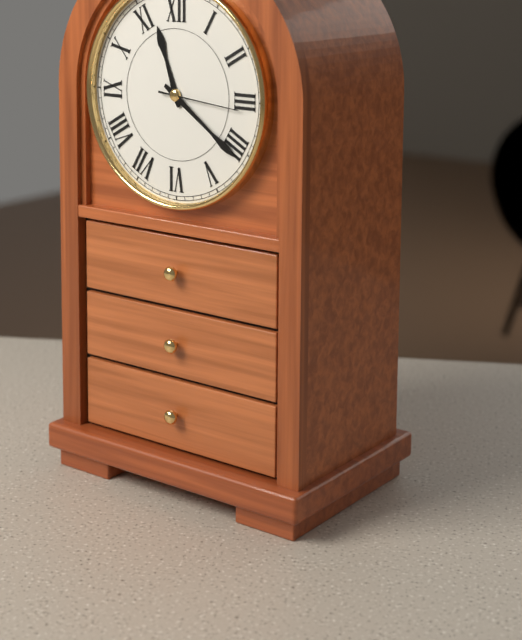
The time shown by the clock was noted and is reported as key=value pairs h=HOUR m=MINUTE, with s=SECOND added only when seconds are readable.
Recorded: h=11 m=21 s=16
